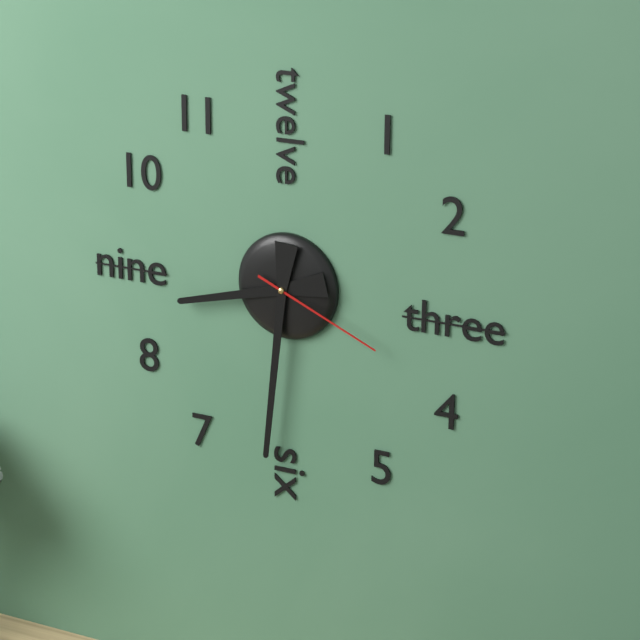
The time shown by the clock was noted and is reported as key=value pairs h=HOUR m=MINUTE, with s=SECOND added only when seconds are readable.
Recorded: h=8 m=31 s=19
